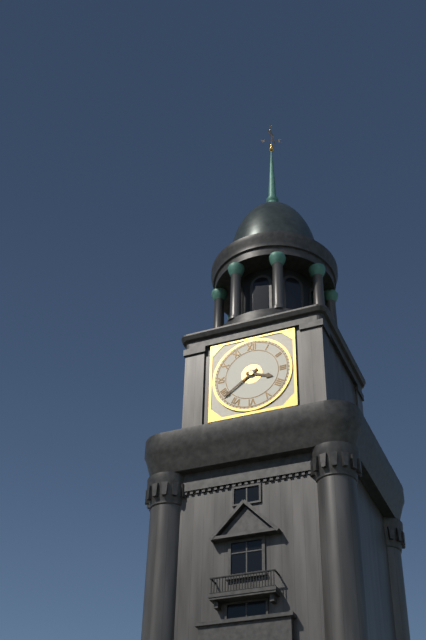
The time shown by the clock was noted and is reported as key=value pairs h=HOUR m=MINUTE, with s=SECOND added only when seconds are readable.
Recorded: h=3 m=39
